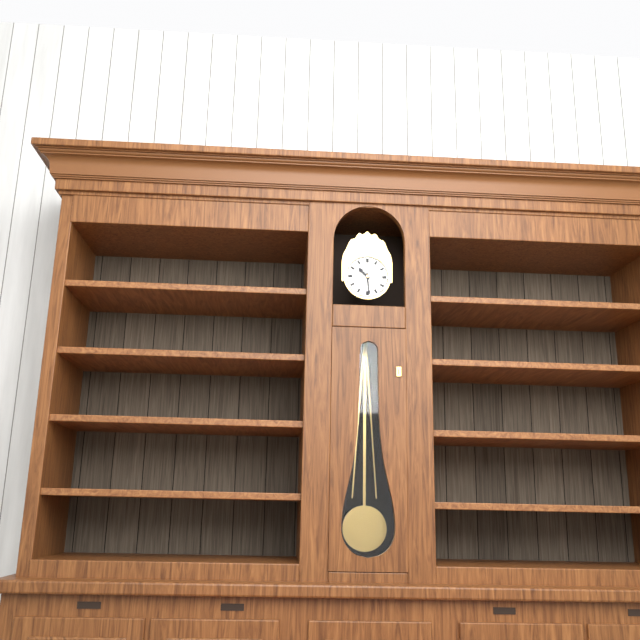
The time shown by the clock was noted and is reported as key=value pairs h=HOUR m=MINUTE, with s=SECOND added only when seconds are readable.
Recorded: h=10 m=29
